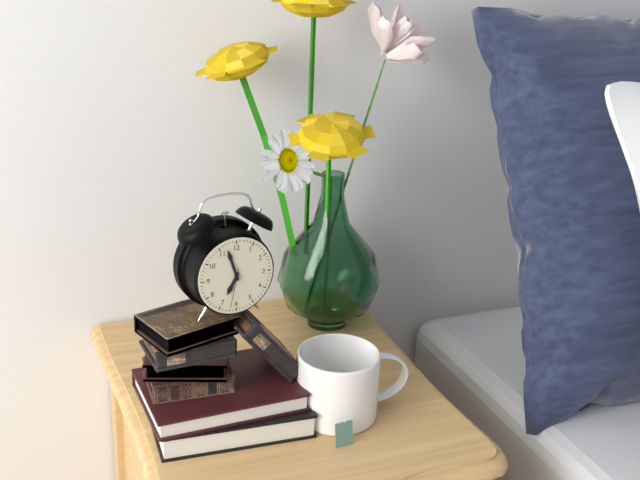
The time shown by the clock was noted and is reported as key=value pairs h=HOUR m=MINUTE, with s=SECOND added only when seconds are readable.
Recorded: h=6 m=57
